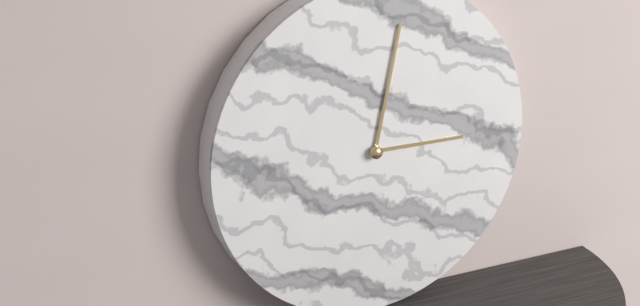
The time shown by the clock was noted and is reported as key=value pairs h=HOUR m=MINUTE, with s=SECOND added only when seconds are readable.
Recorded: h=3 m=2
